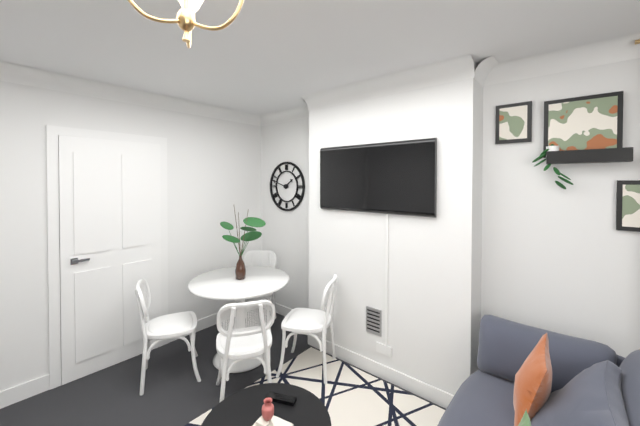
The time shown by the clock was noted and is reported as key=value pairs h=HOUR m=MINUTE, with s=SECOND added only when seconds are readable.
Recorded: h=1 m=48
